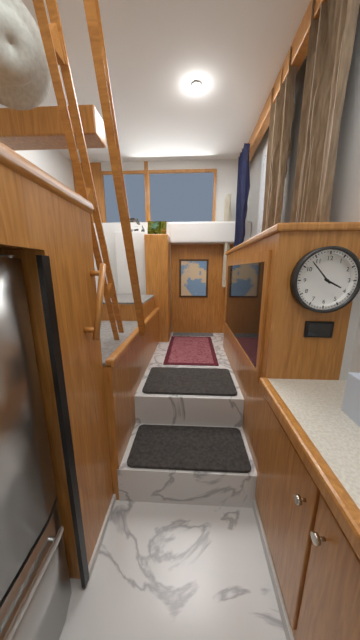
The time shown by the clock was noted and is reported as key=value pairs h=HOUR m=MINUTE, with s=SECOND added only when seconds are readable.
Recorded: h=3 m=53
